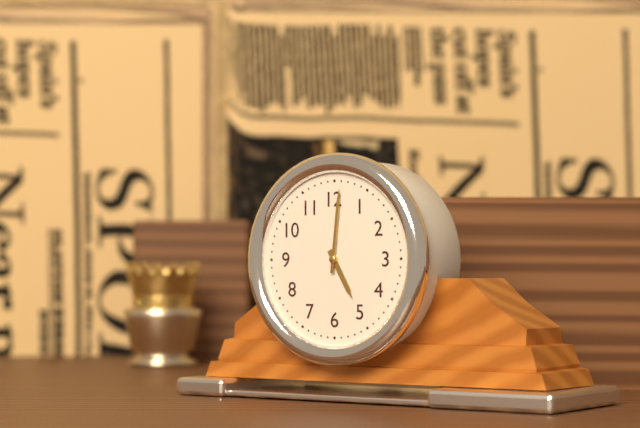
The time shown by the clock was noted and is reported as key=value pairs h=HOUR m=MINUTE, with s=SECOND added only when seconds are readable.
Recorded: h=5 m=1
